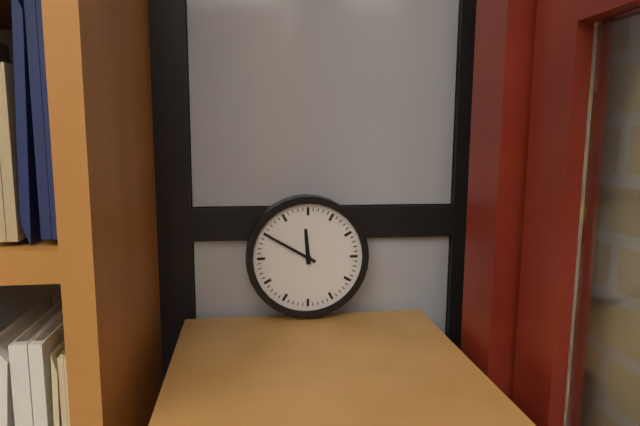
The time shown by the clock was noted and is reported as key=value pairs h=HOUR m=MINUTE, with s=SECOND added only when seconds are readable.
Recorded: h=11 m=50
